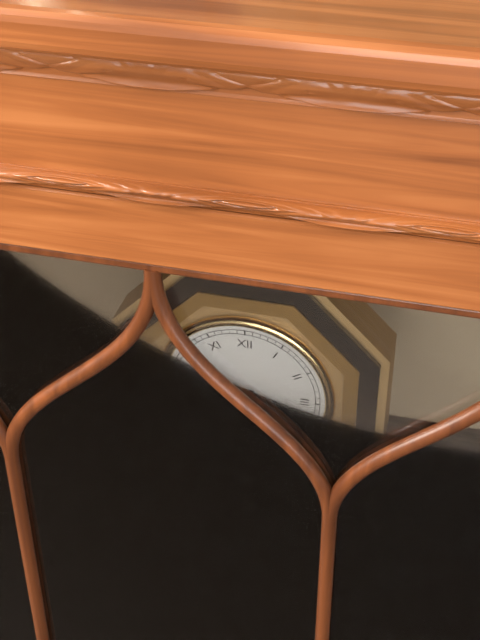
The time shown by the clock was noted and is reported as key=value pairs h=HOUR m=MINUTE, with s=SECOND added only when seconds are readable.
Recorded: h=8 m=20
